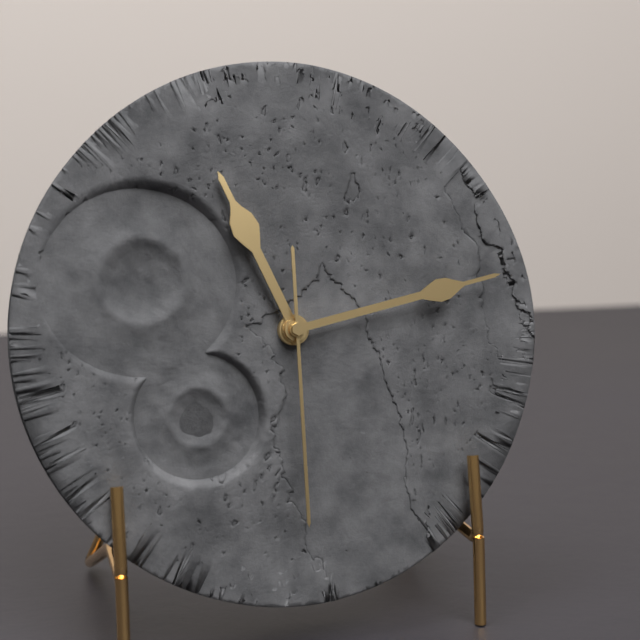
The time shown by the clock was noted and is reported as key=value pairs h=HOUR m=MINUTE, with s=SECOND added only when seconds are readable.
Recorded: h=11 m=13 s=30
